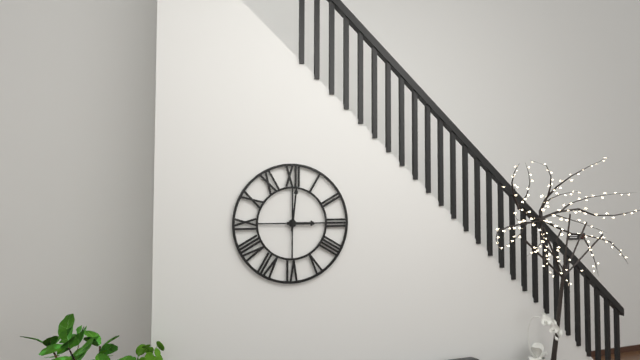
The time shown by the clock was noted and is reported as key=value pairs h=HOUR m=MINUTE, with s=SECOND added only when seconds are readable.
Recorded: h=3 m=1
